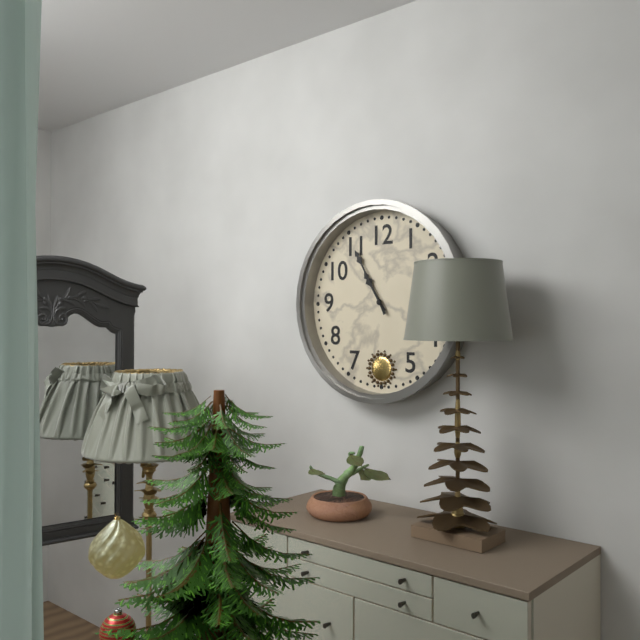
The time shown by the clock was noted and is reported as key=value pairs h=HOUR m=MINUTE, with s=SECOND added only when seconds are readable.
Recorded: h=10 m=55
